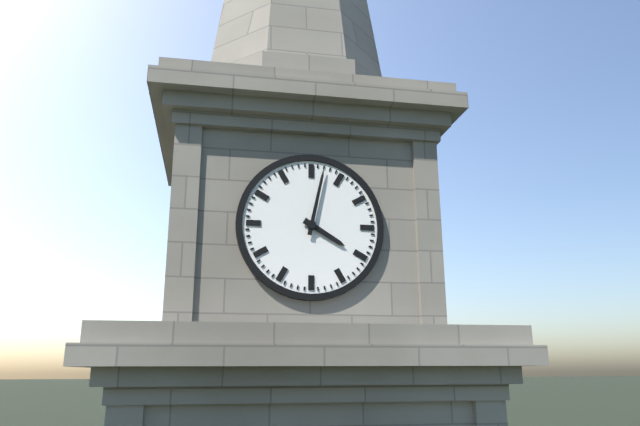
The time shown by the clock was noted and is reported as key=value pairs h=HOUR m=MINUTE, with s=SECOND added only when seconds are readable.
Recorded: h=4 m=2
